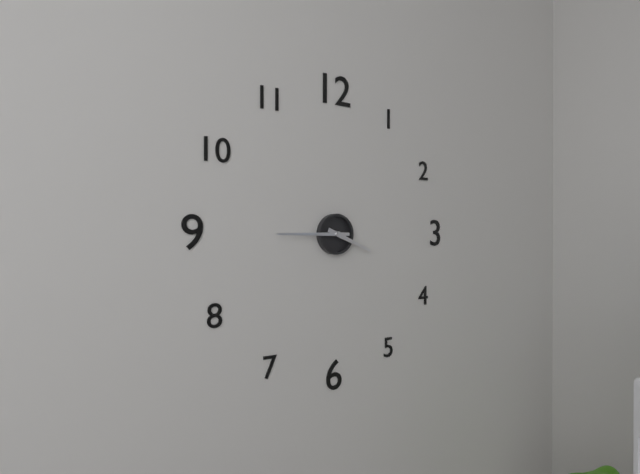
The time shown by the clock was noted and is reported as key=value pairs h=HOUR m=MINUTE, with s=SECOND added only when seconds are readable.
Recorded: h=3 m=45
